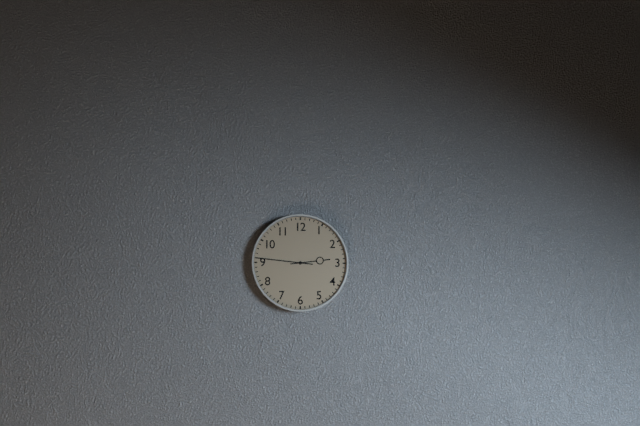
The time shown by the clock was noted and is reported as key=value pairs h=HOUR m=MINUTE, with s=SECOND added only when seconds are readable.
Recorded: h=2 m=46
